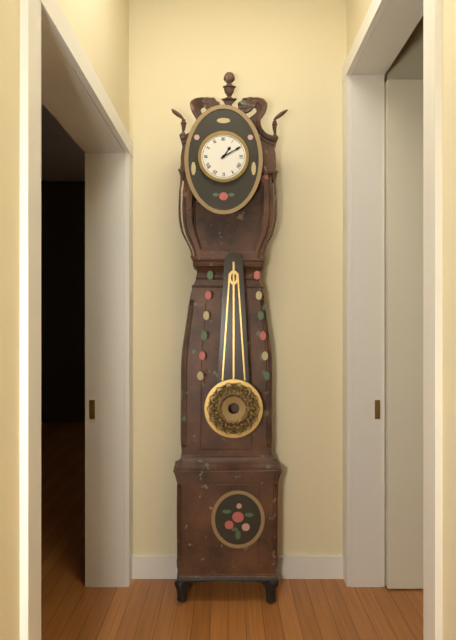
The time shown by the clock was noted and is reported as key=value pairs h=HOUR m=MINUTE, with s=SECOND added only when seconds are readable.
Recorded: h=1 m=10
